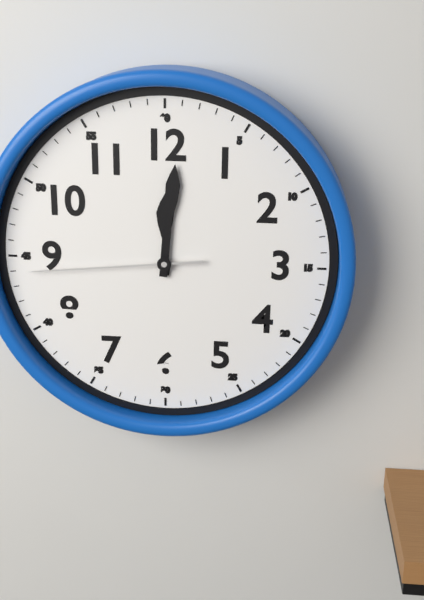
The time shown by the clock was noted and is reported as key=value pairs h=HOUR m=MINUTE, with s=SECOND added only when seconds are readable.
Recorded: h=12 m=1 s=44
